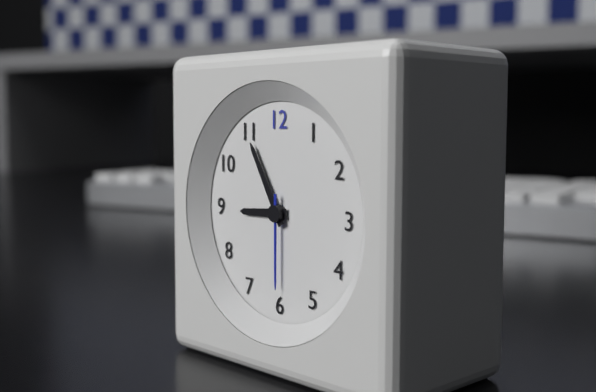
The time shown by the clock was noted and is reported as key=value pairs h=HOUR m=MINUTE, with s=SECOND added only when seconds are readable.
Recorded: h=8 m=55 s=30
